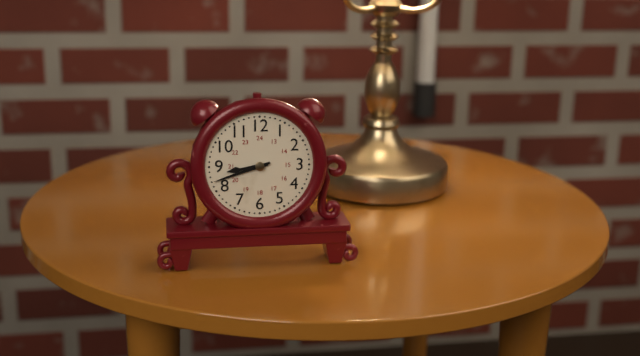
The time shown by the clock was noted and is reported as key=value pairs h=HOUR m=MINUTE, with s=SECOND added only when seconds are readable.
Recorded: h=8 m=42
